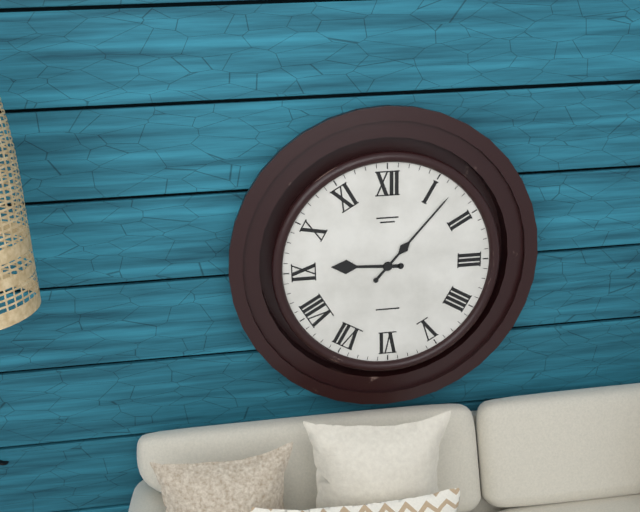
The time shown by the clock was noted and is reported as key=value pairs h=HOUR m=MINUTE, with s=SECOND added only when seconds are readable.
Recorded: h=9 m=7
